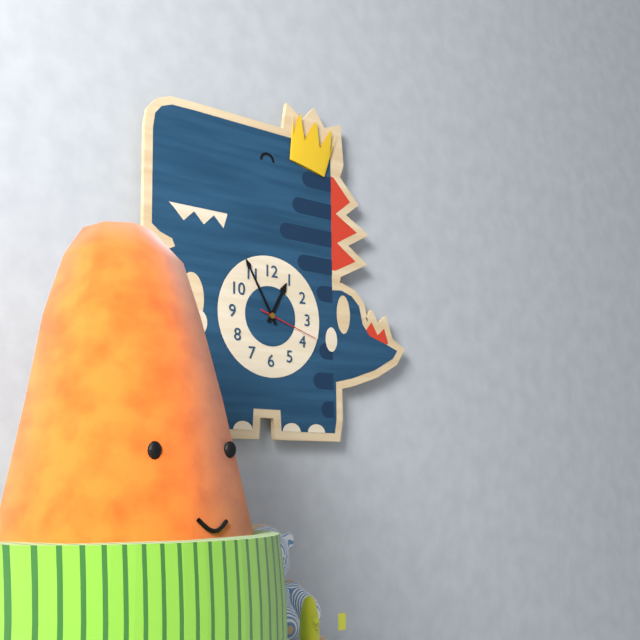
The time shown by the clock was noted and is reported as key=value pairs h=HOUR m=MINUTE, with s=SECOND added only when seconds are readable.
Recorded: h=12 m=55 s=18
